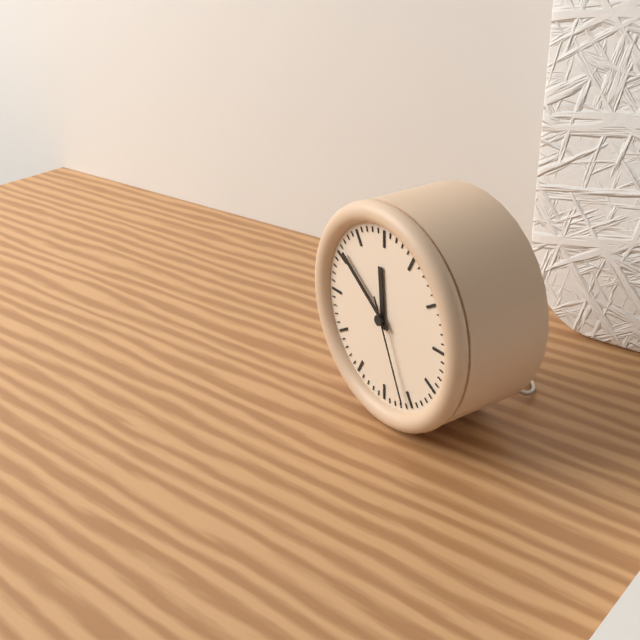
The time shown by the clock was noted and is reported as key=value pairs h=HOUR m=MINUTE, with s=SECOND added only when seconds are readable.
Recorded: h=11 m=51 s=26
